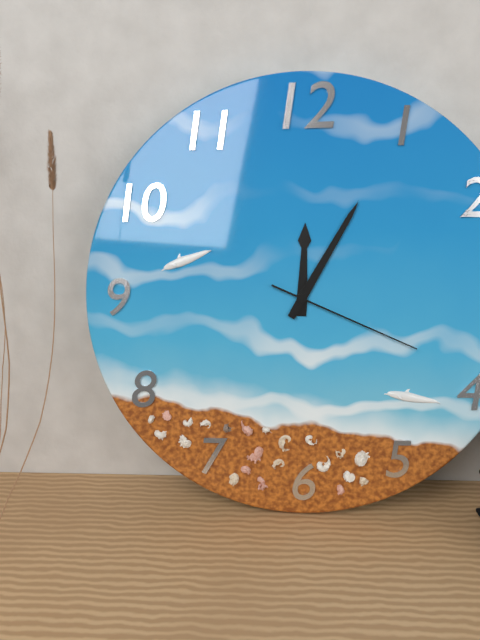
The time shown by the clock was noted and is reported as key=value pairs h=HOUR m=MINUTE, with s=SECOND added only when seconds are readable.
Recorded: h=12 m=5 s=19
